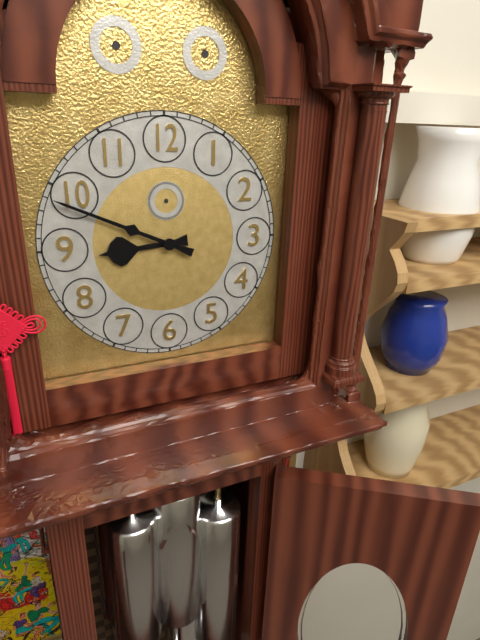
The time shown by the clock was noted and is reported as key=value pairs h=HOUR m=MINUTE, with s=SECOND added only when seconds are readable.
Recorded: h=8 m=49
